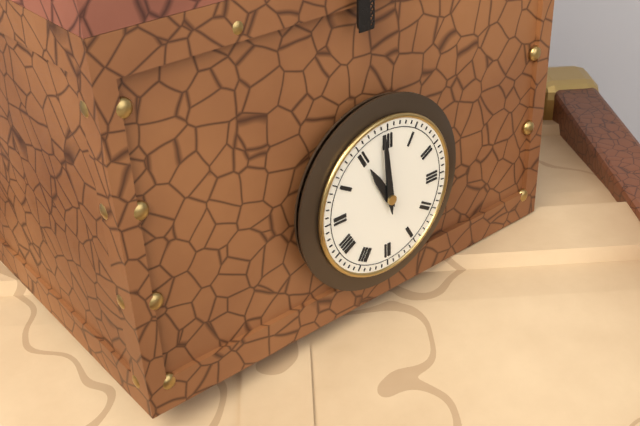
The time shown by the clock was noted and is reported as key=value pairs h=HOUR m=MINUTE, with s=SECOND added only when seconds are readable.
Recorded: h=10 m=59
